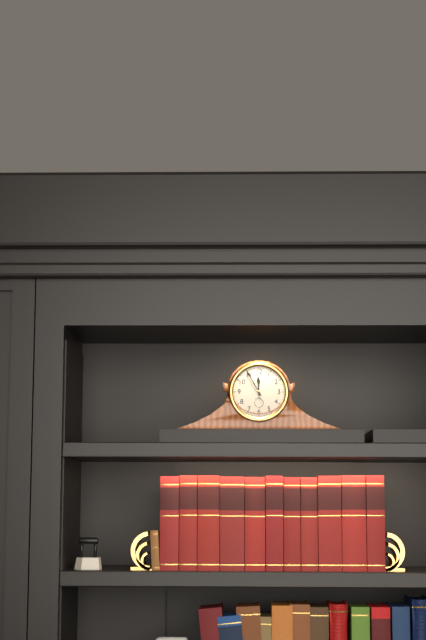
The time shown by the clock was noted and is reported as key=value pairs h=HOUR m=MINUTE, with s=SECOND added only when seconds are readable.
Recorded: h=11 m=55
